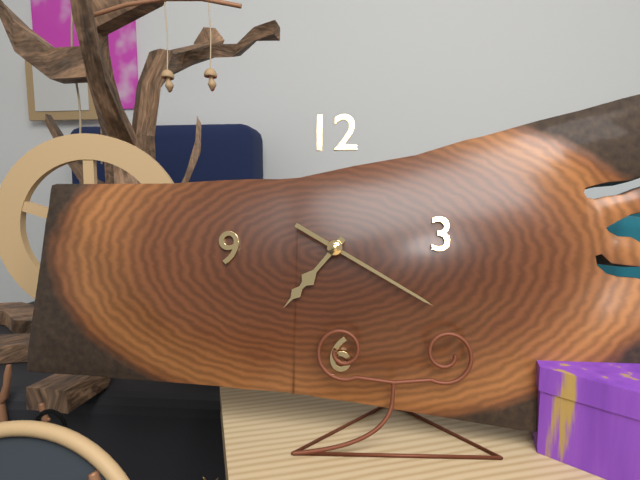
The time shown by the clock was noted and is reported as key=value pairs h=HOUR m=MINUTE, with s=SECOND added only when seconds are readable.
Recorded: h=7 m=20
